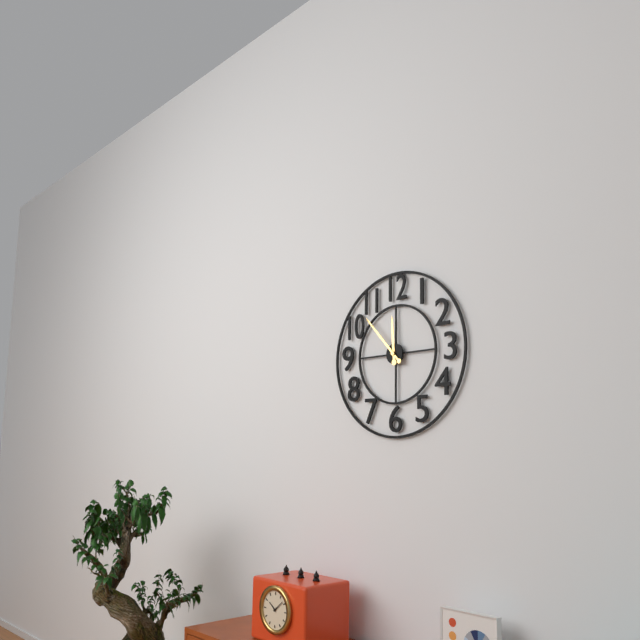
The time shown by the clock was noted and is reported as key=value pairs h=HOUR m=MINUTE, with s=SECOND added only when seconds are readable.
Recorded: h=11 m=53
